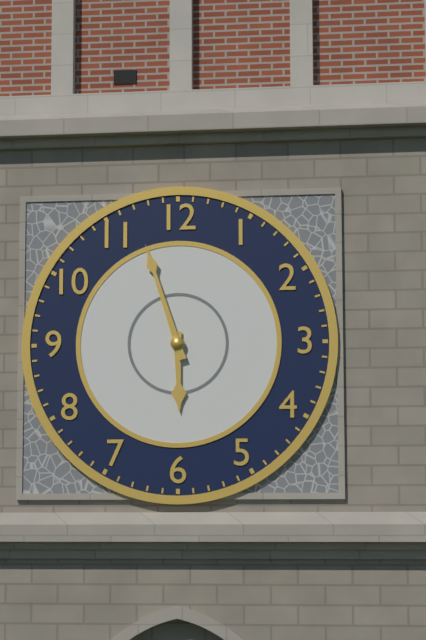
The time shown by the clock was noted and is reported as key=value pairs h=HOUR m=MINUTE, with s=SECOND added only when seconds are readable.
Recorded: h=5 m=57
